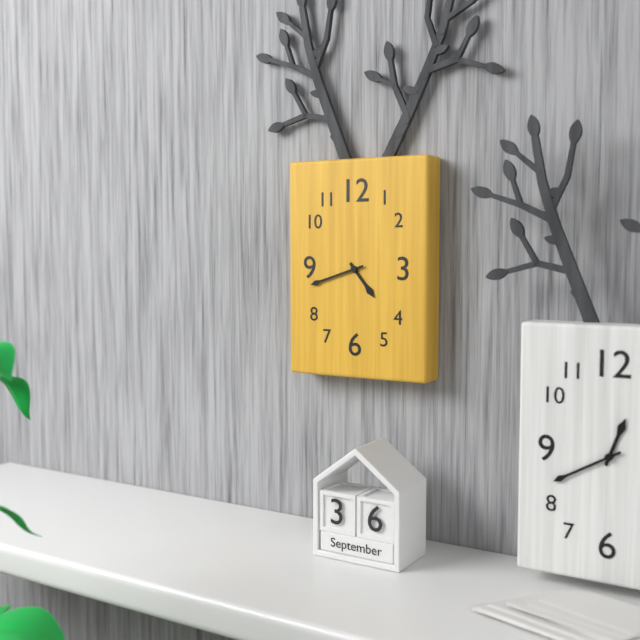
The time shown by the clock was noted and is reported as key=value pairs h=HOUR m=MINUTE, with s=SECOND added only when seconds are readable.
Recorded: h=4 m=42
